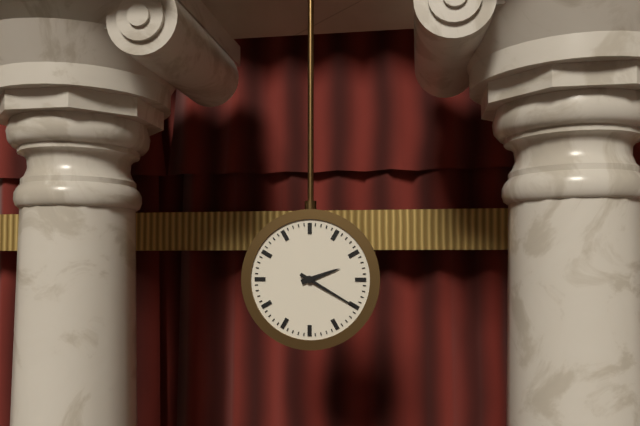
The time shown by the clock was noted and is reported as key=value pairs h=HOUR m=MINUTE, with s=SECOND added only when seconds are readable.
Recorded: h=2 m=20
